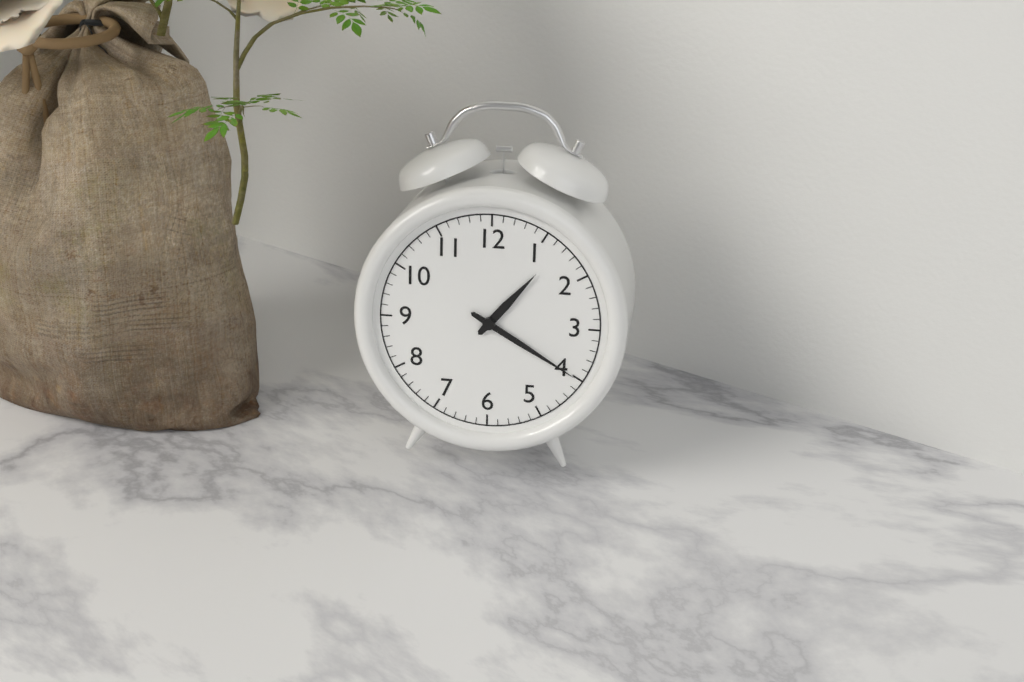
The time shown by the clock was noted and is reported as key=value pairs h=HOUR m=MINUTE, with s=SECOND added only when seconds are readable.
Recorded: h=1 m=20
